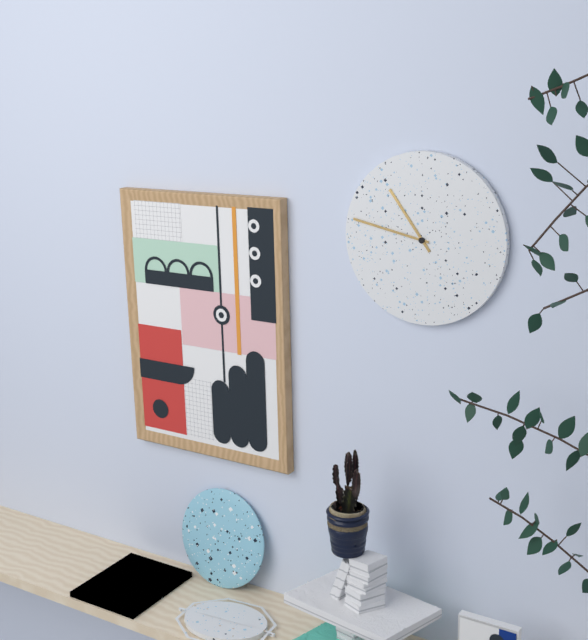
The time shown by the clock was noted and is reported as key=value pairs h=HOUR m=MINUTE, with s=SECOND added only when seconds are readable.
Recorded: h=10 m=47
